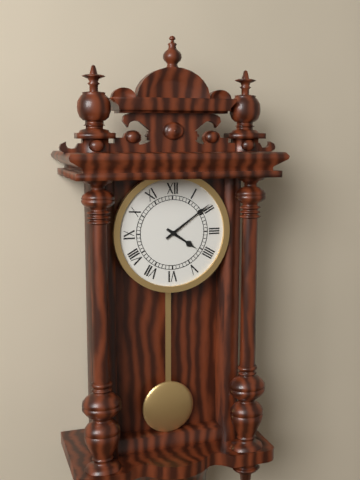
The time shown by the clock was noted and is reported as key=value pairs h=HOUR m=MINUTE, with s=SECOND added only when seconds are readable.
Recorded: h=4 m=9
